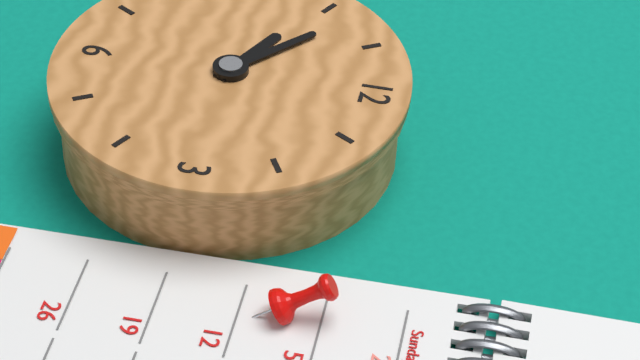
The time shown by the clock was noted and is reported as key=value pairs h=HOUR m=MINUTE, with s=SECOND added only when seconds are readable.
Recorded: h=9 m=52
